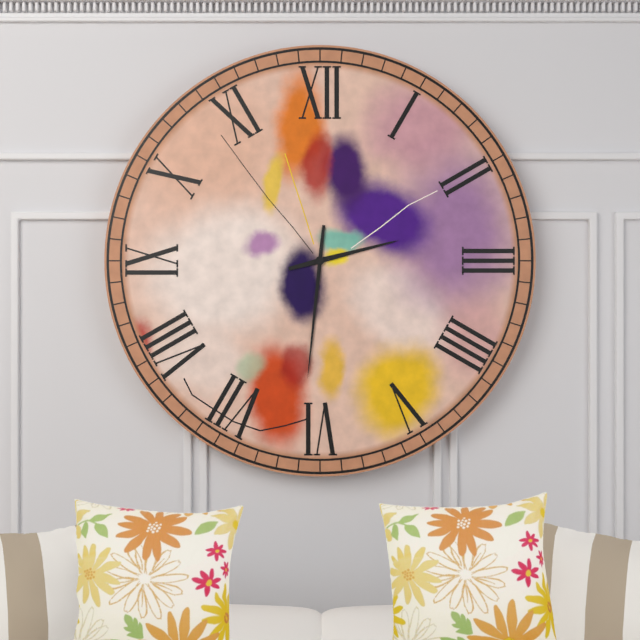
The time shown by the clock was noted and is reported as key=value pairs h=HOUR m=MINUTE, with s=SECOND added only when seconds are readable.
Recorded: h=2 m=31
